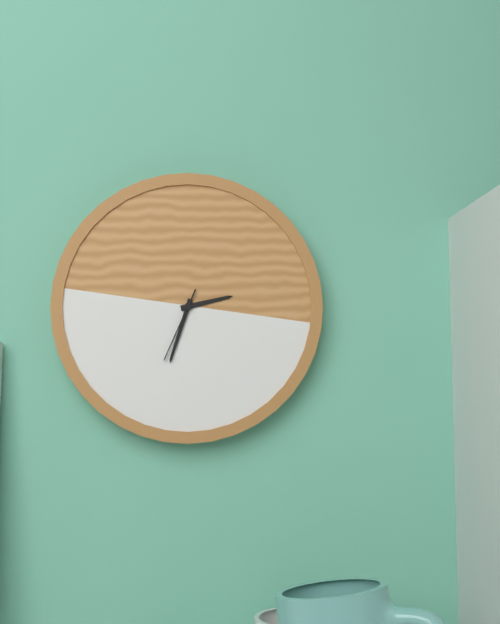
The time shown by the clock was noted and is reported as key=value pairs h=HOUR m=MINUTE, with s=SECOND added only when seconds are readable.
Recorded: h=2 m=33 s=34
